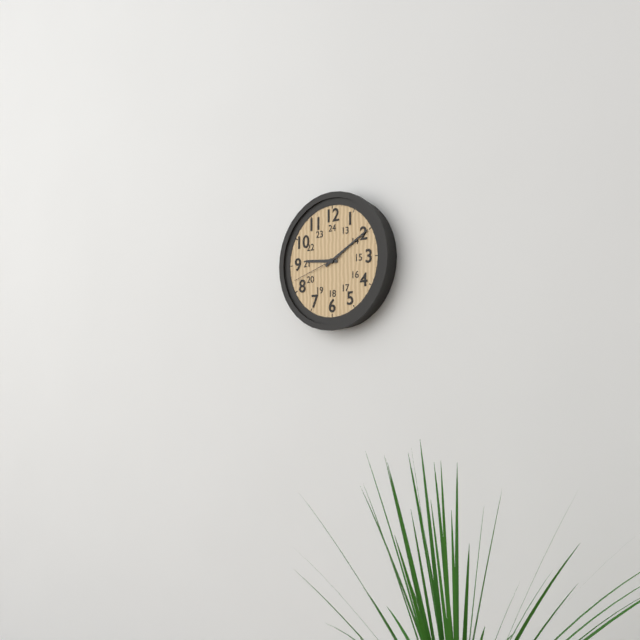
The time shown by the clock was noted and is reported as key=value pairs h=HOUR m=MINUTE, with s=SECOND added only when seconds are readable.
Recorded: h=9 m=10 s=42
